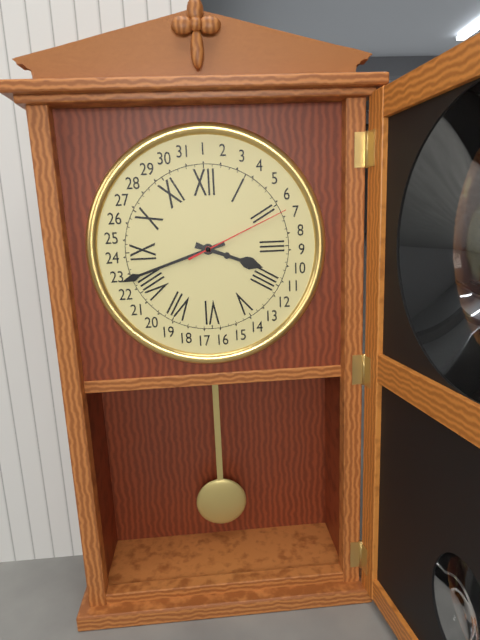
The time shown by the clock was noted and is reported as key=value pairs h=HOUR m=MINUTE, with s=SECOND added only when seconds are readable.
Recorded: h=3 m=42 s=11
